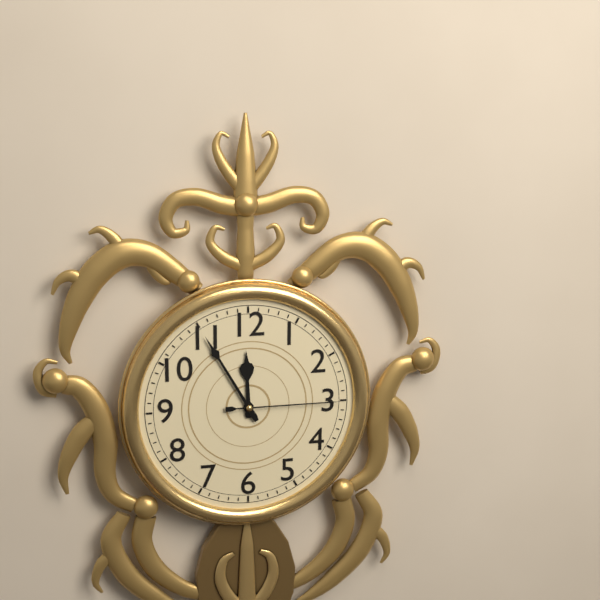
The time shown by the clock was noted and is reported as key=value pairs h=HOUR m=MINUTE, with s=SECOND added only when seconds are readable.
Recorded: h=11 m=55 s=15
